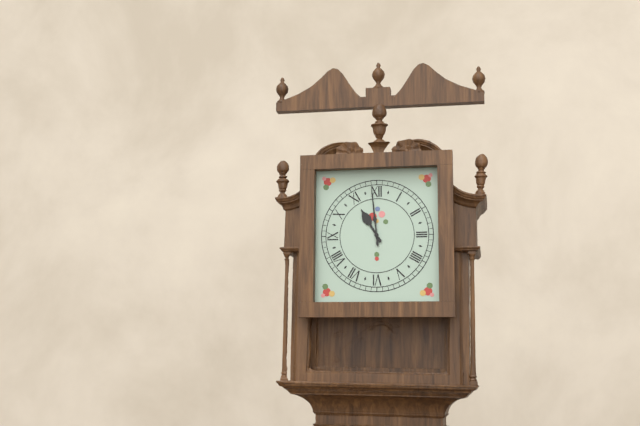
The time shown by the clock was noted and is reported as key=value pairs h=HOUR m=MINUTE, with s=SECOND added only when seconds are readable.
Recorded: h=10 m=59
